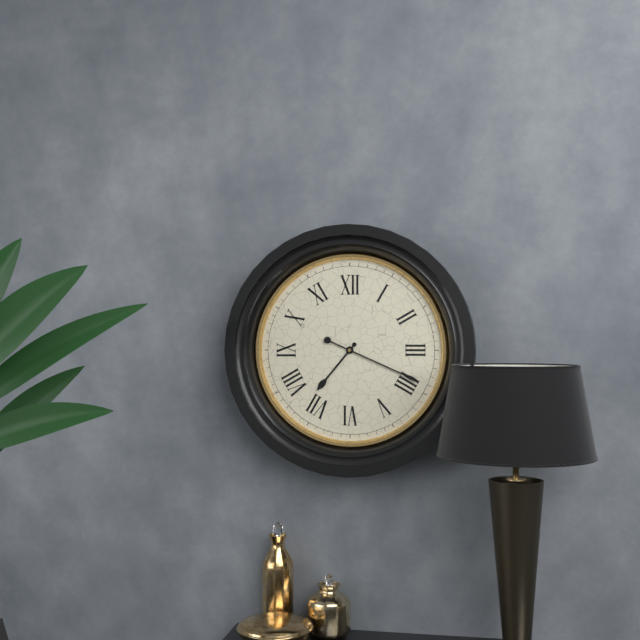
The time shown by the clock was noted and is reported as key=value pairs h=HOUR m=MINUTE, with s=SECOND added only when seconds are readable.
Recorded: h=7 m=19
